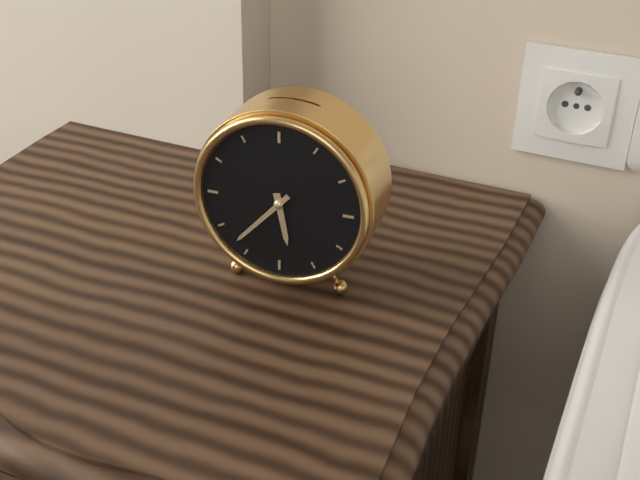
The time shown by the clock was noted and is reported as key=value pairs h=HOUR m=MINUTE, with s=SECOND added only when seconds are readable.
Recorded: h=5 m=37
